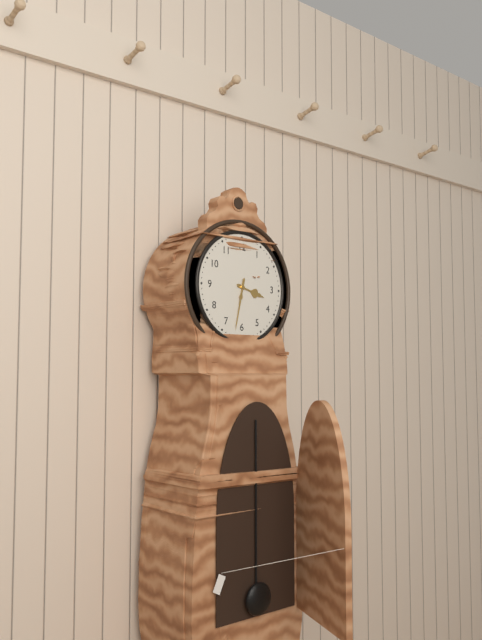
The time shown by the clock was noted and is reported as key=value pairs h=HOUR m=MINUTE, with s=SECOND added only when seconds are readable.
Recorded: h=3 m=32
